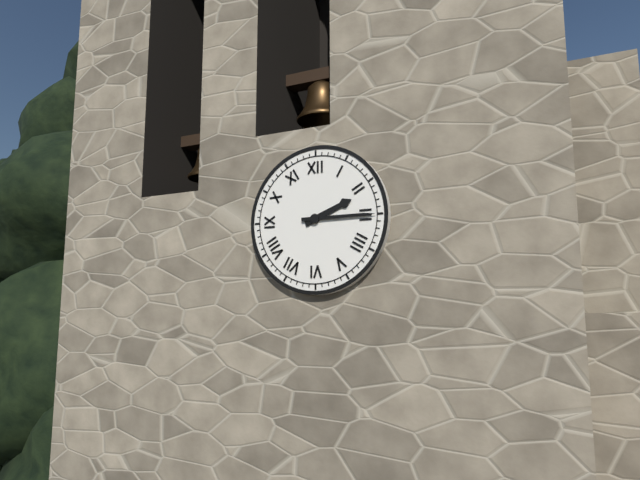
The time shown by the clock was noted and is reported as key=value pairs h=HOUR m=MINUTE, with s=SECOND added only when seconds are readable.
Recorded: h=2 m=15
